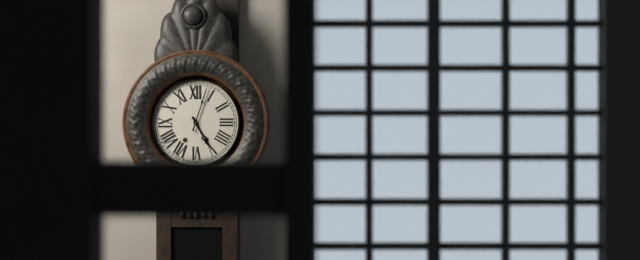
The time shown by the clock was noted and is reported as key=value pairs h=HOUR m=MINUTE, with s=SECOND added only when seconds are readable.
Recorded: h=5 m=3
